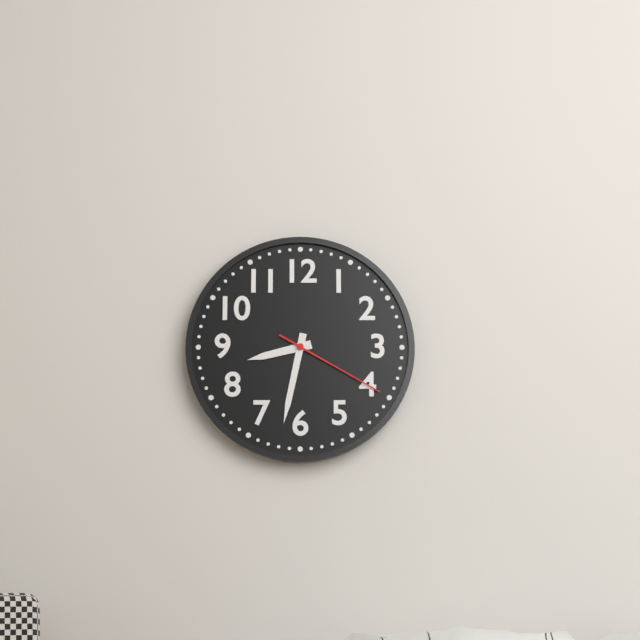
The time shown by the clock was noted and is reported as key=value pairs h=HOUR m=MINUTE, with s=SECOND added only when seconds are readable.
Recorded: h=8 m=32 s=20
